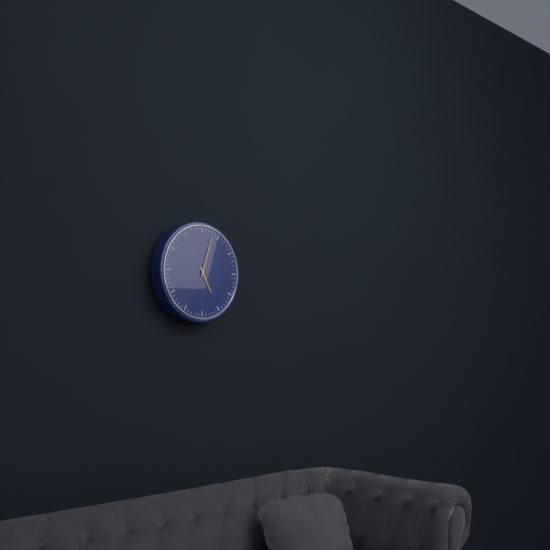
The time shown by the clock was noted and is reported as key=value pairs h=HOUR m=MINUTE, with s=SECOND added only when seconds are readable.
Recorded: h=5 m=3
